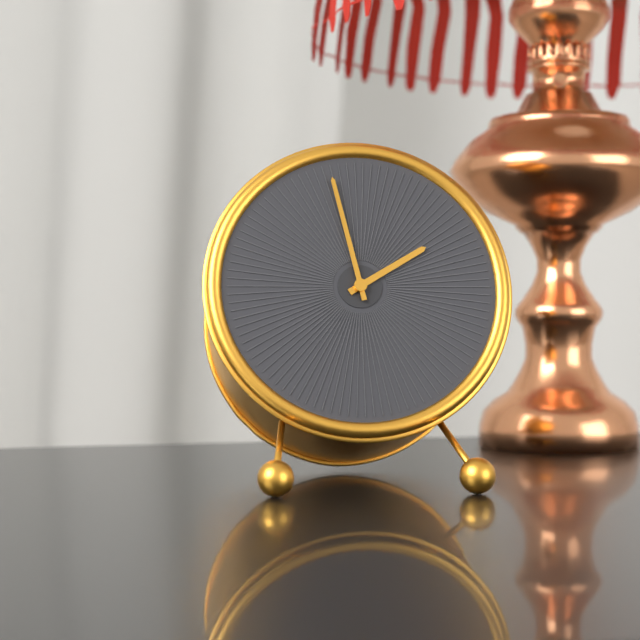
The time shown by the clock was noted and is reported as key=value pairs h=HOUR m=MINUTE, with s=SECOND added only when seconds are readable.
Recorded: h=1 m=58
